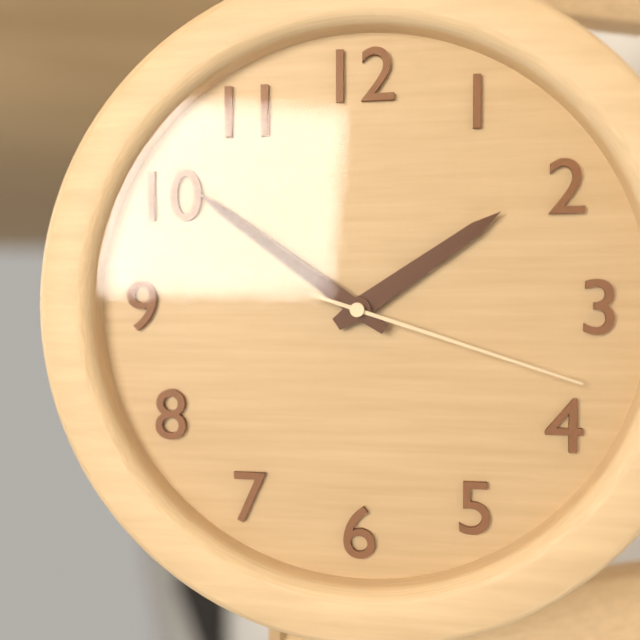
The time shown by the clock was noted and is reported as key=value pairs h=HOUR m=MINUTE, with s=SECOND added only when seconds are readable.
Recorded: h=1 m=51 s=18
